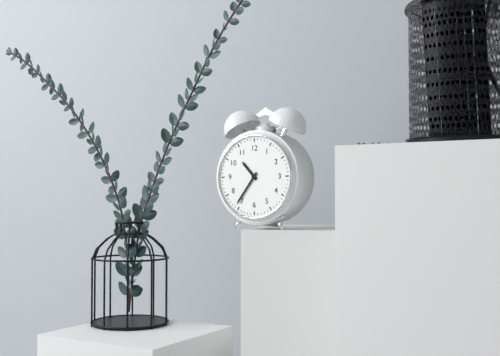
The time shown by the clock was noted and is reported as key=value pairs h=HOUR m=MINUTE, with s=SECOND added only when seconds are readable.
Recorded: h=10 m=36
